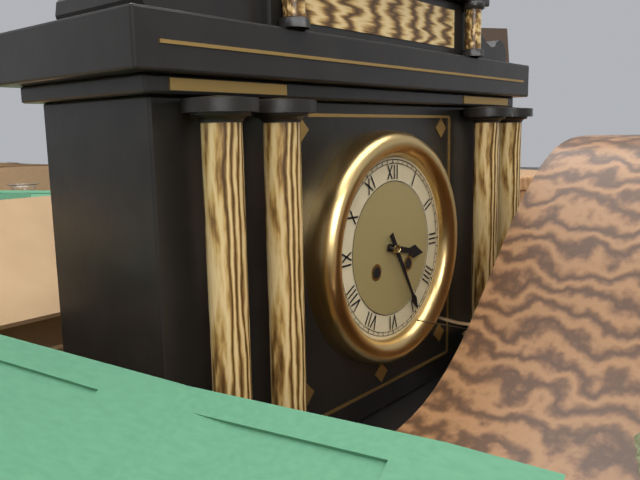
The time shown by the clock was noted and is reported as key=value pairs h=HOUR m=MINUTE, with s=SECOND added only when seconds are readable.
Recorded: h=3 m=25
